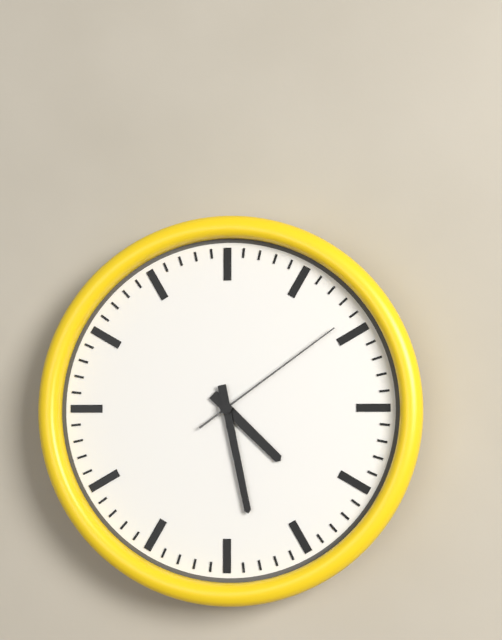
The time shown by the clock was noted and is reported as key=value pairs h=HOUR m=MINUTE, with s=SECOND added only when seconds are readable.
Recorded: h=4 m=28 s=9
